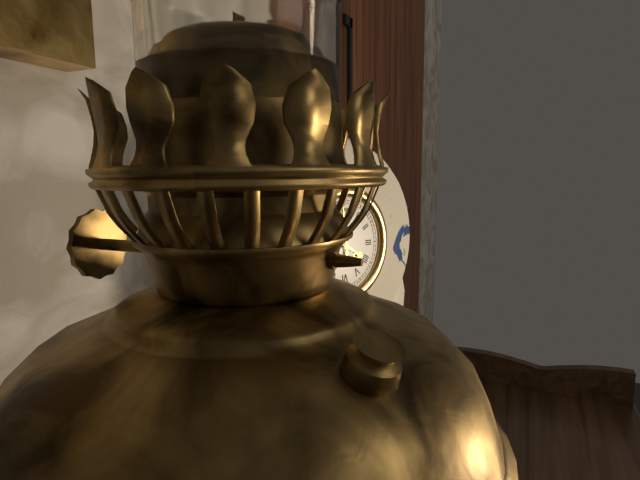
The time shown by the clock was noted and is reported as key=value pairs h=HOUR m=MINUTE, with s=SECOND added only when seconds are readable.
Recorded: h=3 m=59
